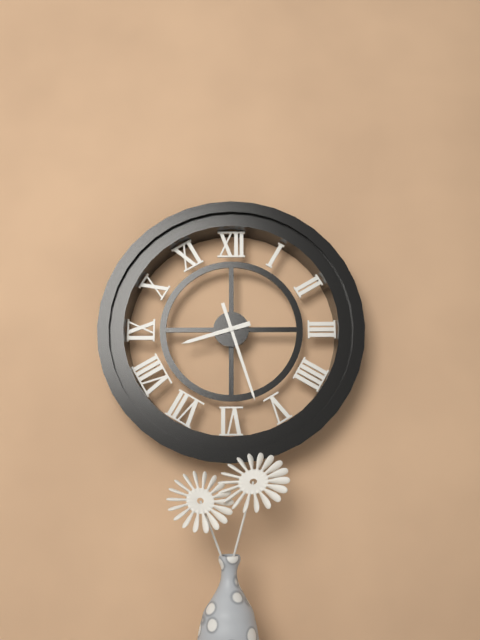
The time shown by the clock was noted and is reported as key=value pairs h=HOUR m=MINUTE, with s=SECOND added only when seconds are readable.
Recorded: h=8 m=27
